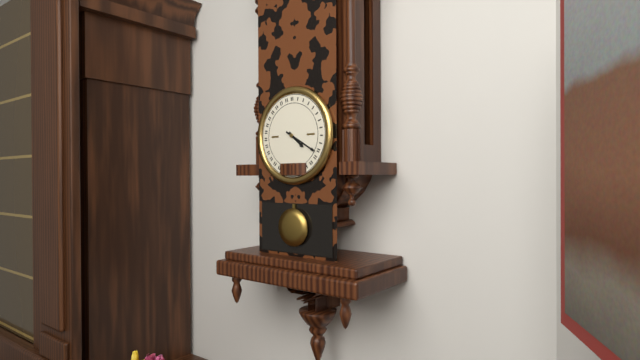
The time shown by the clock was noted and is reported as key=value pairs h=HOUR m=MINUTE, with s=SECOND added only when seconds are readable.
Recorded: h=4 m=20
